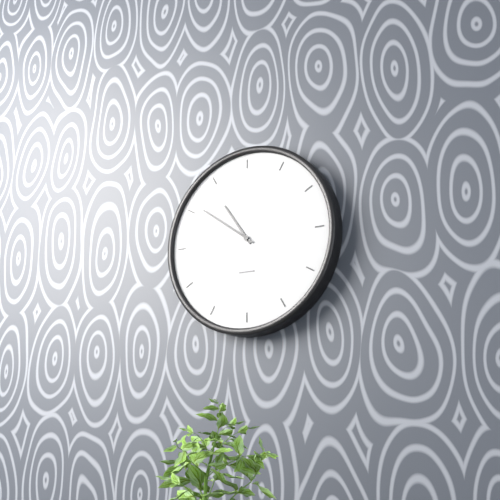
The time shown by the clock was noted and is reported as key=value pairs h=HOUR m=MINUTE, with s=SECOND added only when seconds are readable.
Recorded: h=10 m=51
